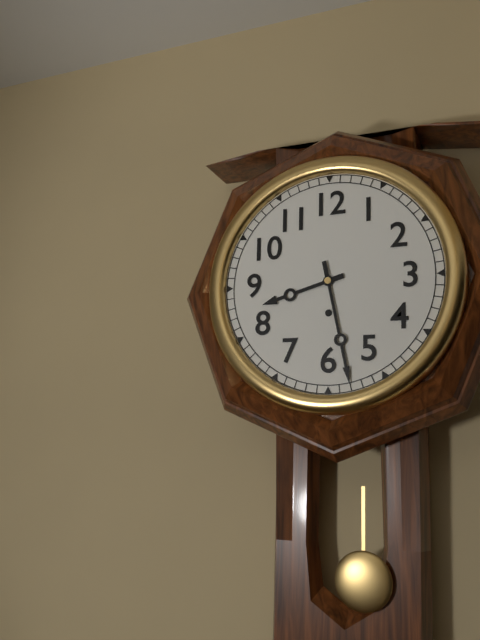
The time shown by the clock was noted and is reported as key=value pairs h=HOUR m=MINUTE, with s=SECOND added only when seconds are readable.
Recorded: h=8 m=28
